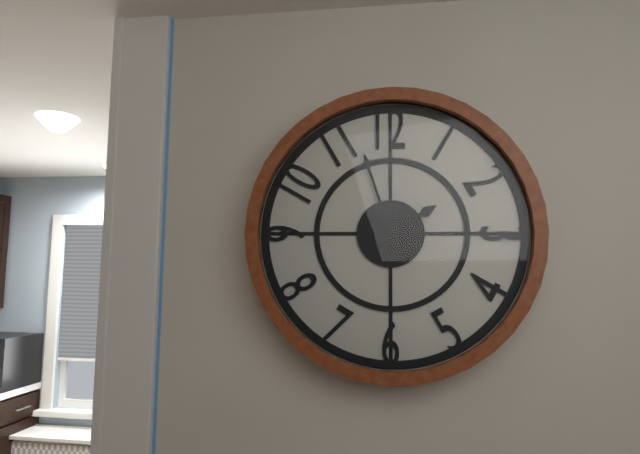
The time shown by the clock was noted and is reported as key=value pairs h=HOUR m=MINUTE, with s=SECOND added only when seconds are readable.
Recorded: h=1 m=57
